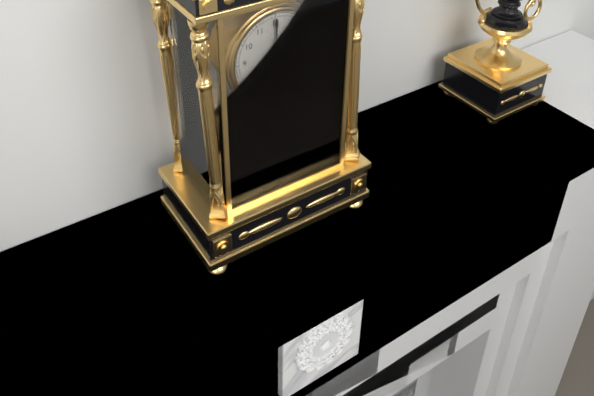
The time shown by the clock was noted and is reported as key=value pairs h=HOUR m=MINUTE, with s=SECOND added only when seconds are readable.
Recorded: h=6 m=0
